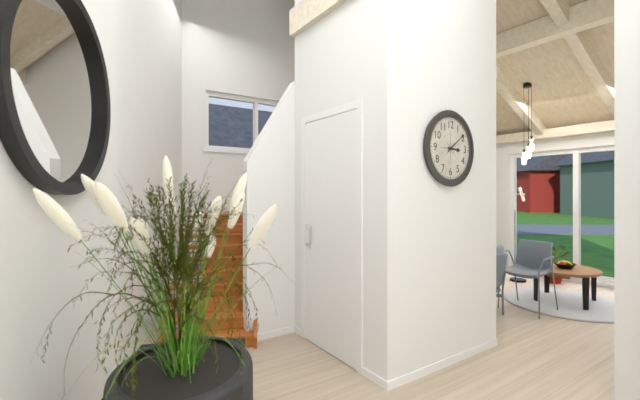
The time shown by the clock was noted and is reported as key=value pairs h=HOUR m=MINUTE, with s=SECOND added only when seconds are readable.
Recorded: h=3 m=9
